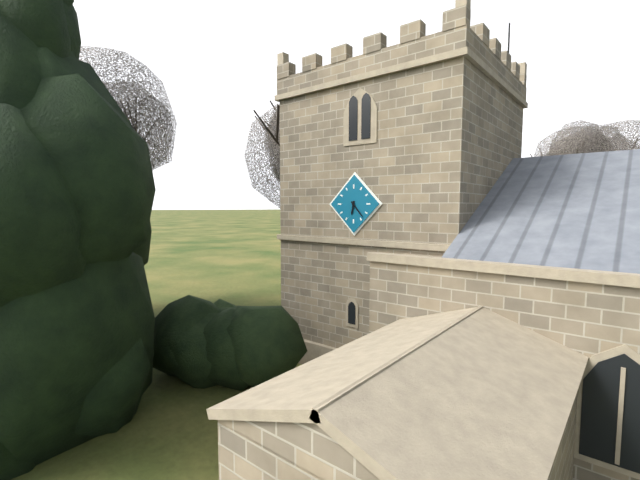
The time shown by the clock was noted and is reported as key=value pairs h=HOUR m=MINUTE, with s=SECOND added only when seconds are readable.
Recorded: h=6 m=23
